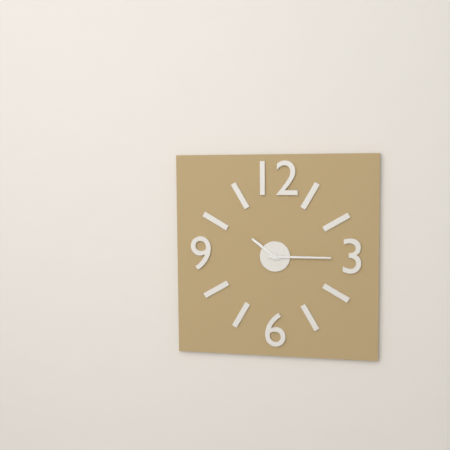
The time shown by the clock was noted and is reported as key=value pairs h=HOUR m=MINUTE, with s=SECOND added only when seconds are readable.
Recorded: h=10 m=15
